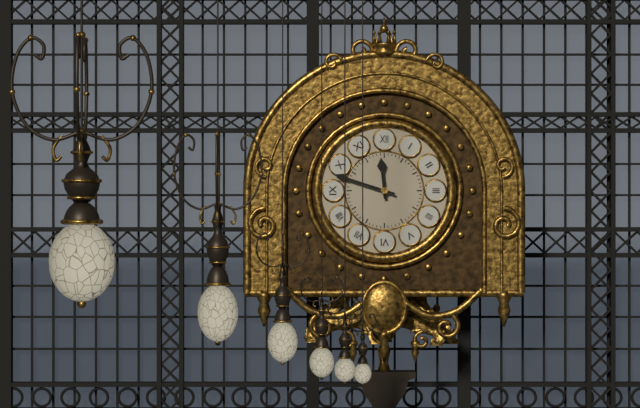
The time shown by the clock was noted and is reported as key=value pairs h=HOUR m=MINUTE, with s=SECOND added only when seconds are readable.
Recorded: h=11 m=48
